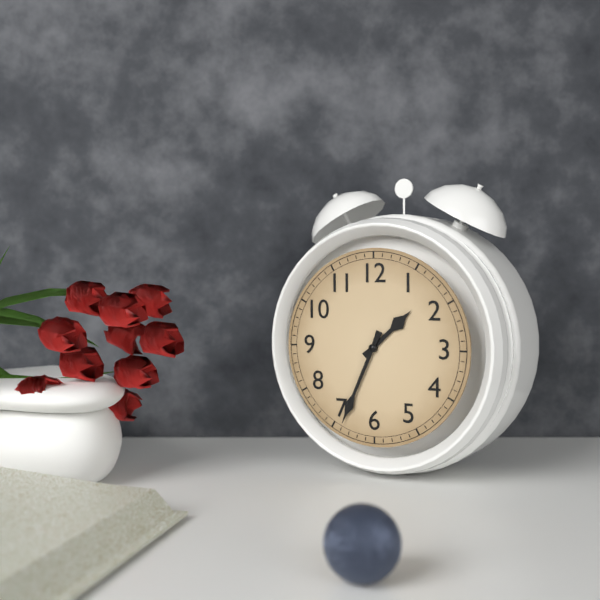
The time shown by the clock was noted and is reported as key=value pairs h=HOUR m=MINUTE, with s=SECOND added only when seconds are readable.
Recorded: h=1 m=34
